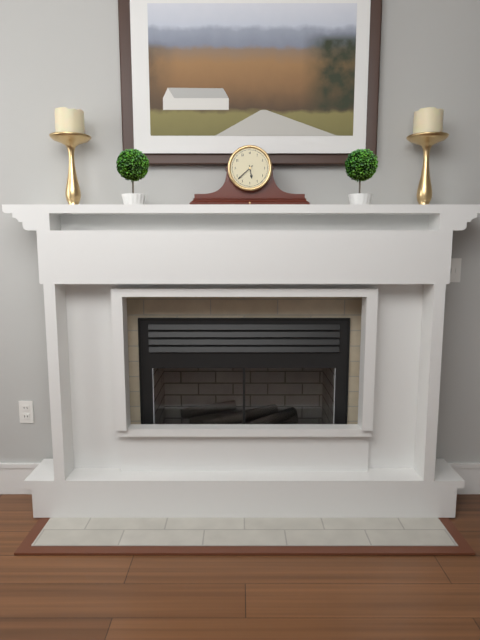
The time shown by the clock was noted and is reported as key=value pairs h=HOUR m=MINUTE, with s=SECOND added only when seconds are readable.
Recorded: h=5 m=38
